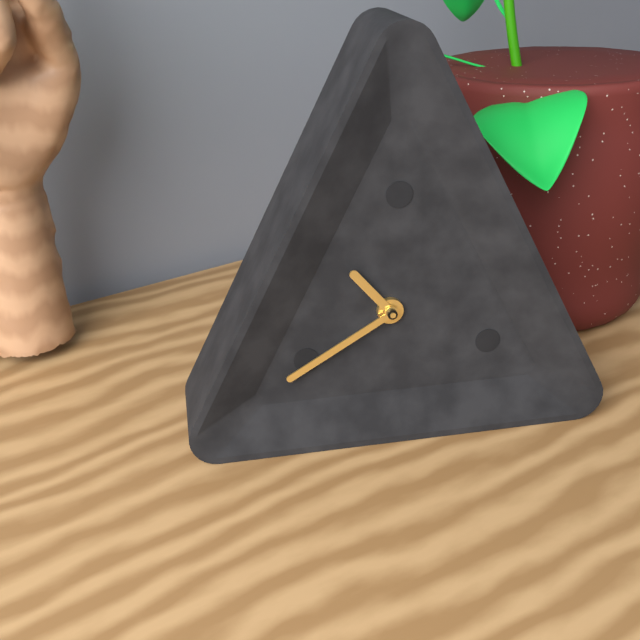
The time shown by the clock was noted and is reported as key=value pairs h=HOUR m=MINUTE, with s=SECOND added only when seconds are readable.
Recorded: h=10 m=40
